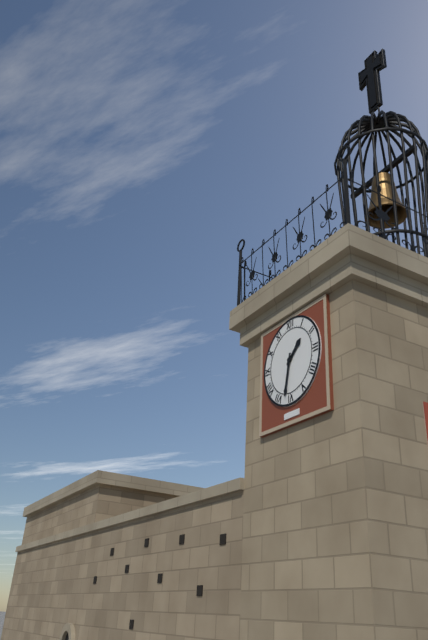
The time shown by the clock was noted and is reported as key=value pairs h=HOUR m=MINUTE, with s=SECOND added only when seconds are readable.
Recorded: h=1 m=32
